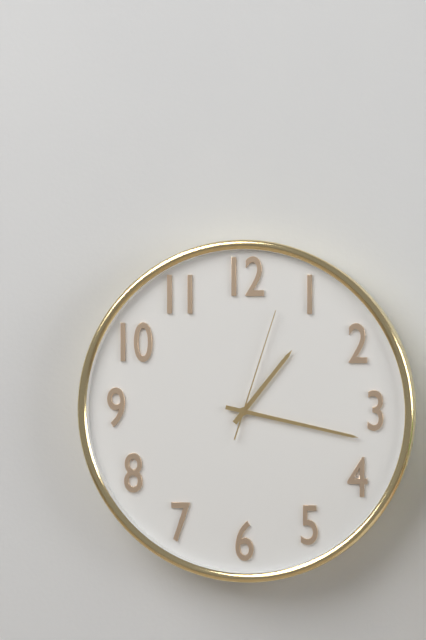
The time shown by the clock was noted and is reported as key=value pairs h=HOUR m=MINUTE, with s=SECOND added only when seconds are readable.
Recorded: h=1 m=17 s=3
